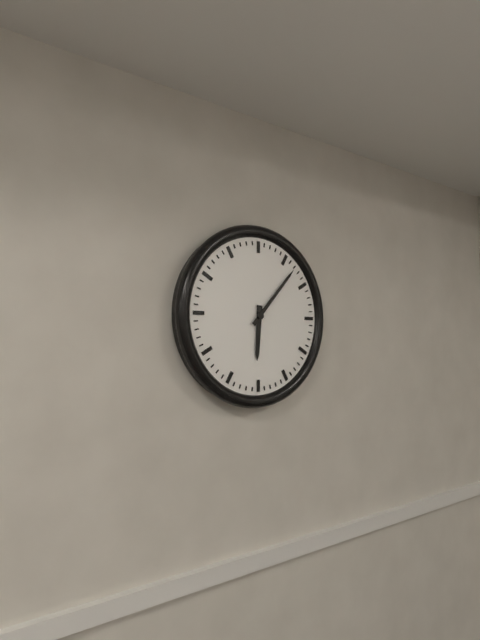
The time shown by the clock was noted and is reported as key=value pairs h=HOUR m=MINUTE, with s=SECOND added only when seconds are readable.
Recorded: h=6 m=7
